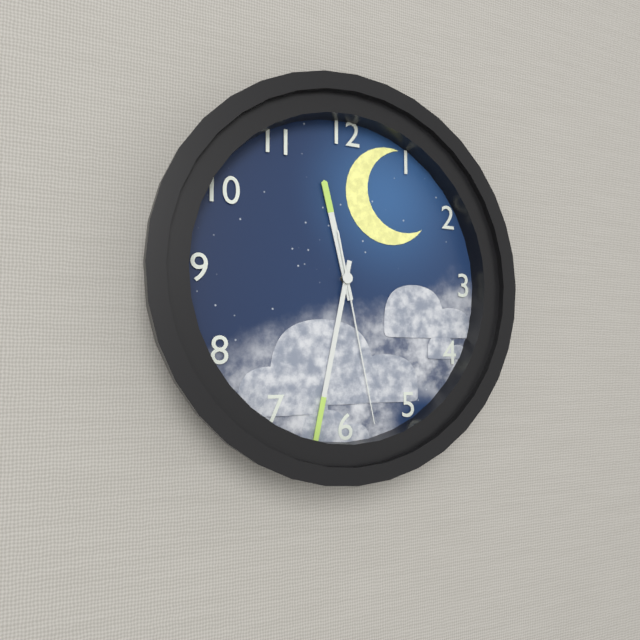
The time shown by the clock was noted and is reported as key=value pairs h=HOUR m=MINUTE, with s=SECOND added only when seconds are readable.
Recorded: h=11 m=32 s=28
